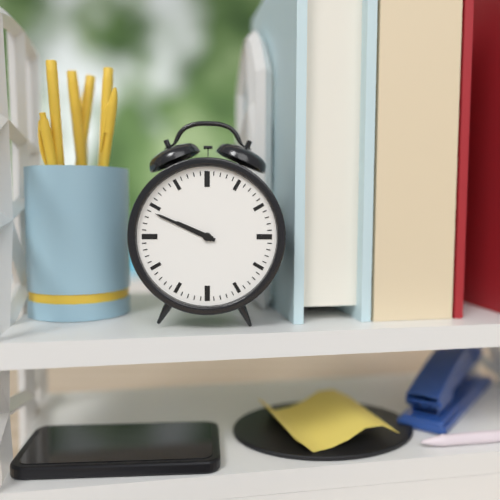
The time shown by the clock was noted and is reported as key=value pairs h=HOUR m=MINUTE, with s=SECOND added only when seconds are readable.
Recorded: h=9 m=49
